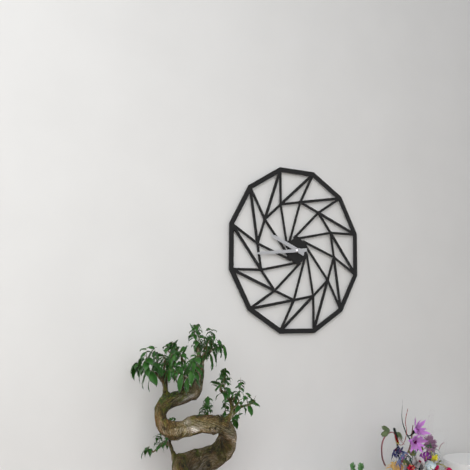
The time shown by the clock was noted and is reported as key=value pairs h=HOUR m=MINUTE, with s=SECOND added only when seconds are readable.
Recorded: h=9 m=44
